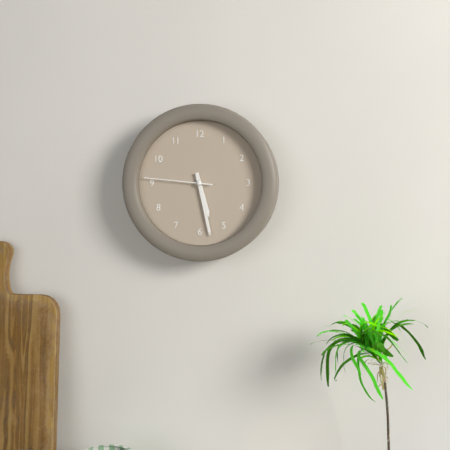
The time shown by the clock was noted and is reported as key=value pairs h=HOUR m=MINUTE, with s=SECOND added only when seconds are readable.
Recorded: h=5 m=28 s=46
